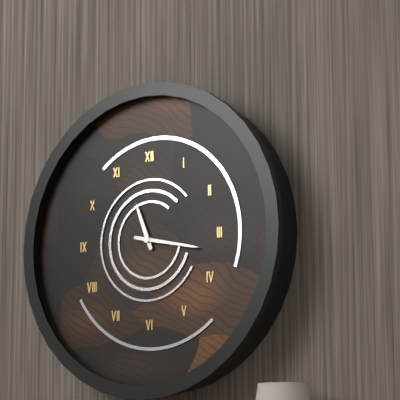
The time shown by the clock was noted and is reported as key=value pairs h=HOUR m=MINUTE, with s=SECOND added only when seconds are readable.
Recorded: h=11 m=17
